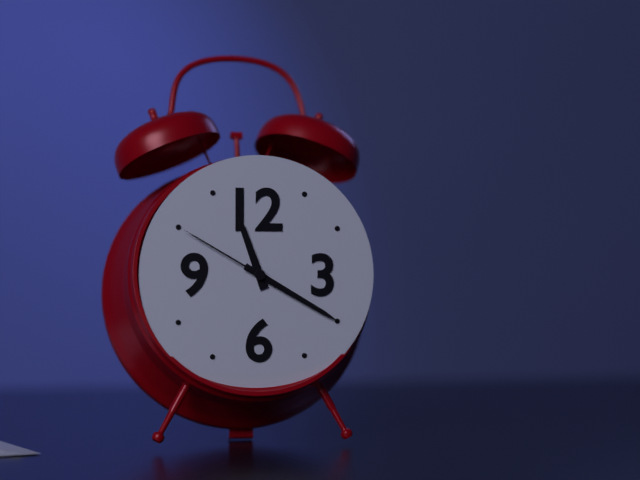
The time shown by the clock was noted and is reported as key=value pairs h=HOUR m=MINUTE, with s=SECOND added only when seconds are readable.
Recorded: h=11 m=20 s=50
